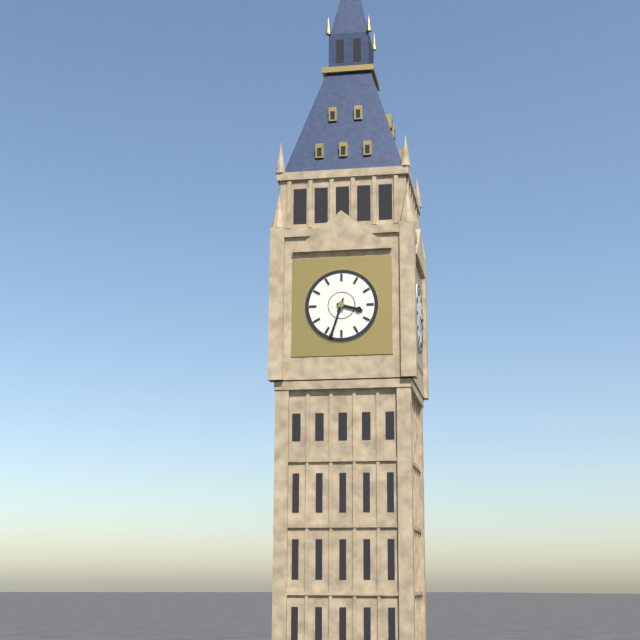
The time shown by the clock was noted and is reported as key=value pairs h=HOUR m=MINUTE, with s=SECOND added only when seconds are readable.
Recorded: h=3 m=33
